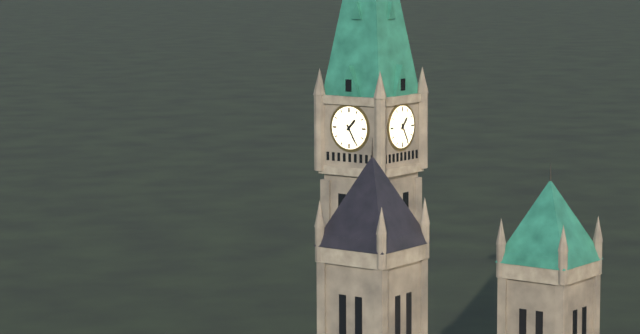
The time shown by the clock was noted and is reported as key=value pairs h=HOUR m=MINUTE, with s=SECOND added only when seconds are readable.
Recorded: h=1 m=25
